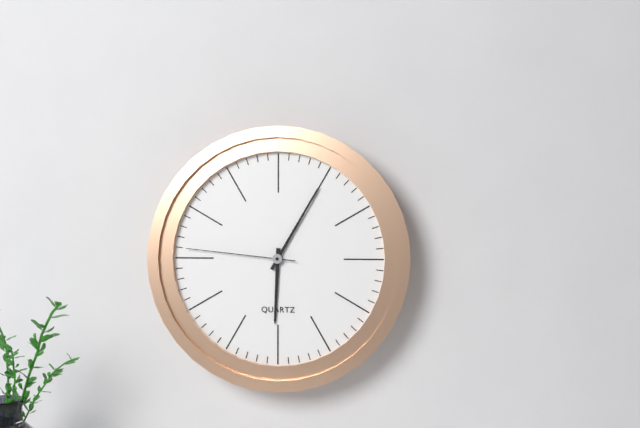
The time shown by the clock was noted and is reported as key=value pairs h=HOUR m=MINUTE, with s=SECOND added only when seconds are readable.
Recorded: h=6 m=5 s=46
